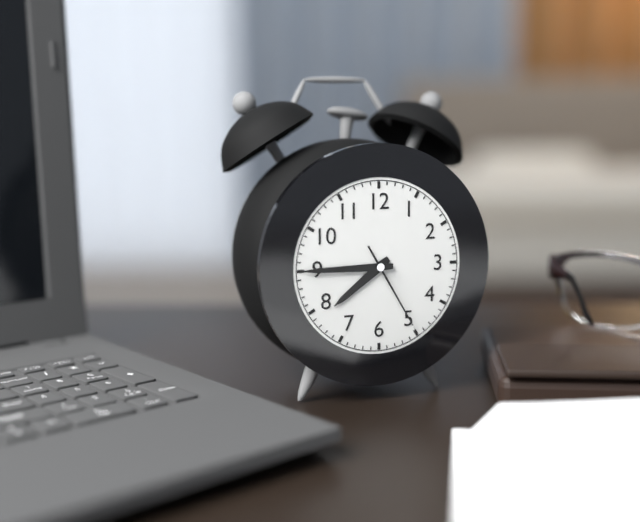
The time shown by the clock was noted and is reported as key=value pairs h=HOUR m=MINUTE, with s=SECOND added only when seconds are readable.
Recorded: h=7 m=45 s=25
